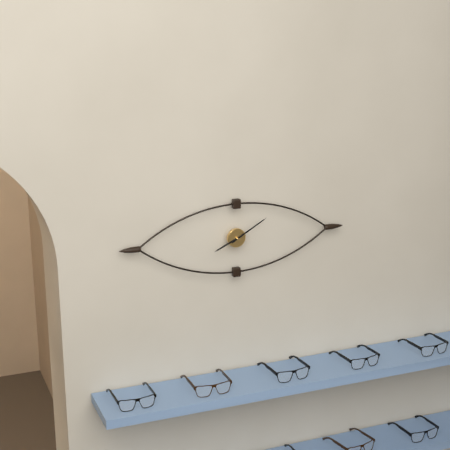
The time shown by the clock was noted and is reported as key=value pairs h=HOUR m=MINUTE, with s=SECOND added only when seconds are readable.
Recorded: h=8 m=10
